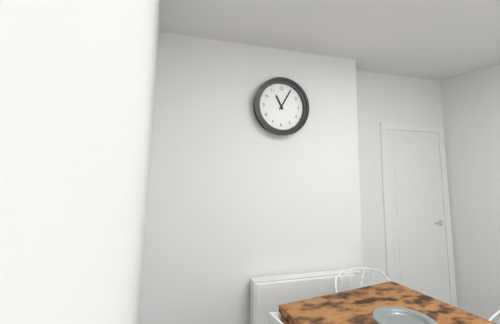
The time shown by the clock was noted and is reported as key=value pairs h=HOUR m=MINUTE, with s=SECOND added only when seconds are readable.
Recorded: h=11 m=5
